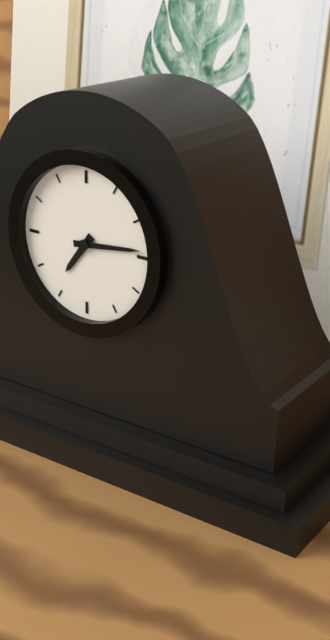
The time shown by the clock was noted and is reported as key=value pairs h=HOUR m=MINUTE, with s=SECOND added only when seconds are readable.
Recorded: h=7 m=14
